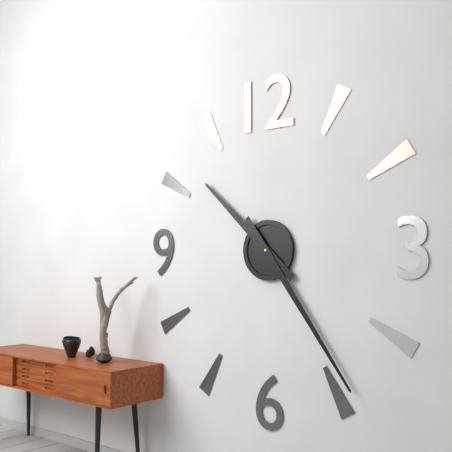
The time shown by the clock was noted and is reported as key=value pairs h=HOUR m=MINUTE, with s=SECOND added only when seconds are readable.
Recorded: h=10 m=24
